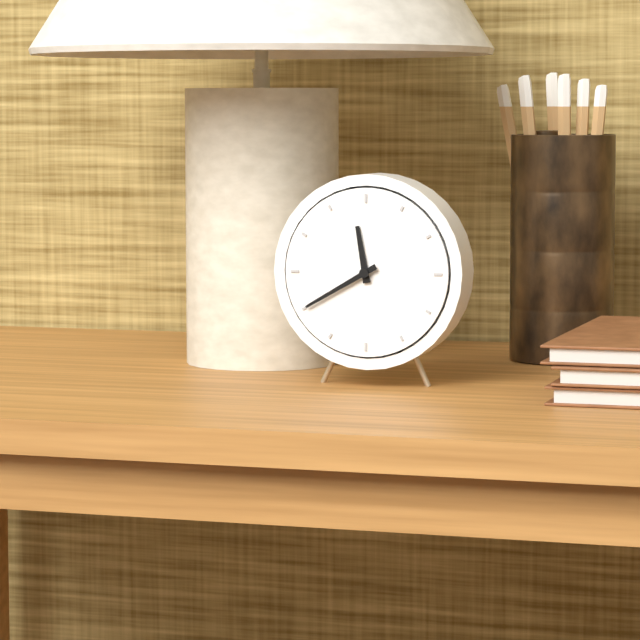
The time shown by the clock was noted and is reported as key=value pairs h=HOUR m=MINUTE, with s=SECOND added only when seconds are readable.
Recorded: h=11 m=40
